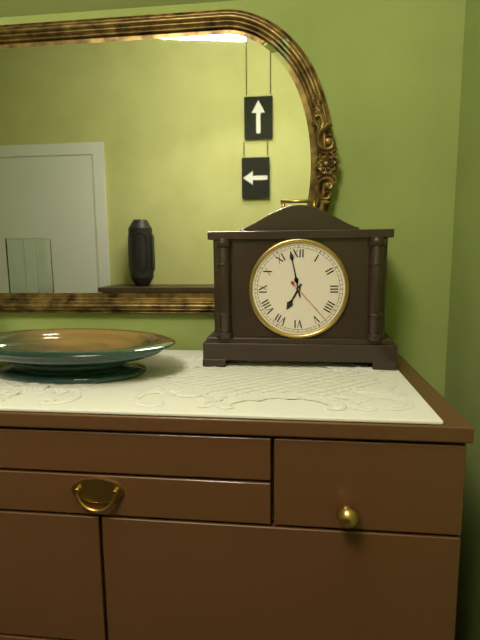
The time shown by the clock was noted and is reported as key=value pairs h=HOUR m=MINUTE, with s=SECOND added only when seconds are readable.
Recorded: h=6 m=58 s=23
